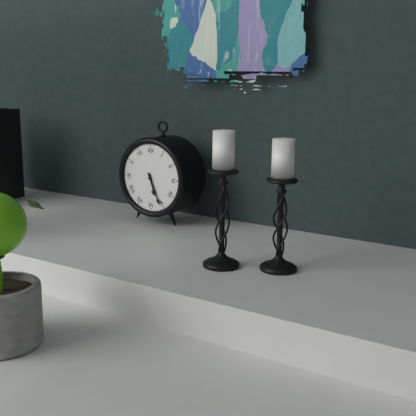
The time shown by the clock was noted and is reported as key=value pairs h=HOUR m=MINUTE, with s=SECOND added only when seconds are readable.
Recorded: h=5 m=26
